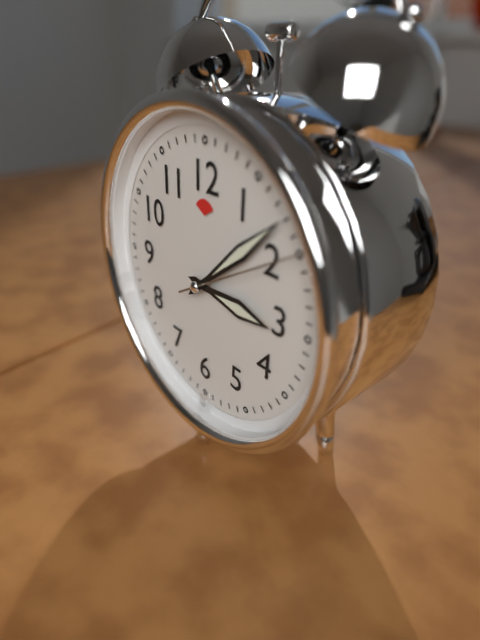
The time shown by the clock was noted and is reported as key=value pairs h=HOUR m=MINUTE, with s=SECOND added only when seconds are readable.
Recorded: h=3 m=8 s=10
